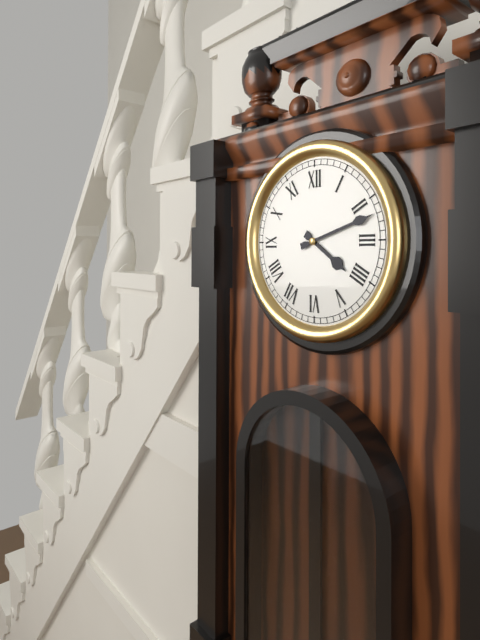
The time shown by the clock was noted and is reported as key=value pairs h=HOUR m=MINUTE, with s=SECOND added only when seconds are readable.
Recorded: h=4 m=12
